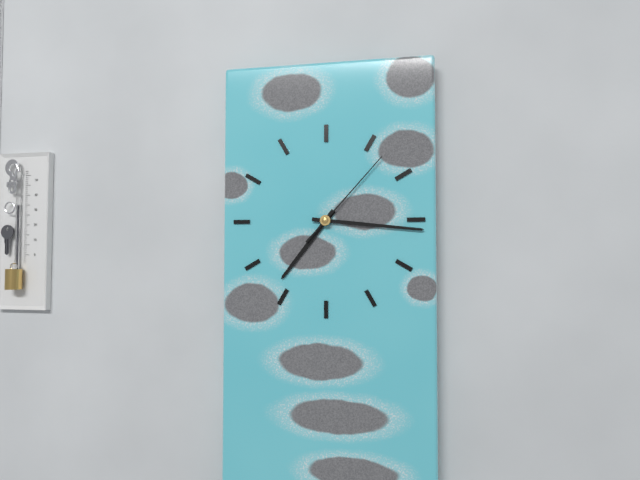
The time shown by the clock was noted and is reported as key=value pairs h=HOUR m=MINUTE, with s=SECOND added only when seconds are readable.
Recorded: h=7 m=16 s=7
